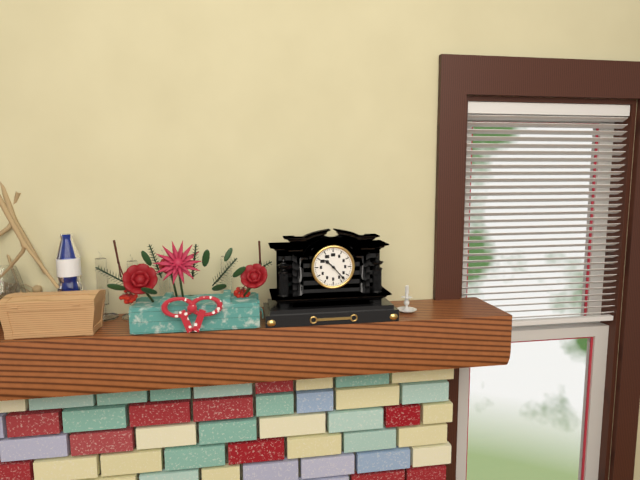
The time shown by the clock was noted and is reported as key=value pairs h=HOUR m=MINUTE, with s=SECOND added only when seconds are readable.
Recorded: h=10 m=23
